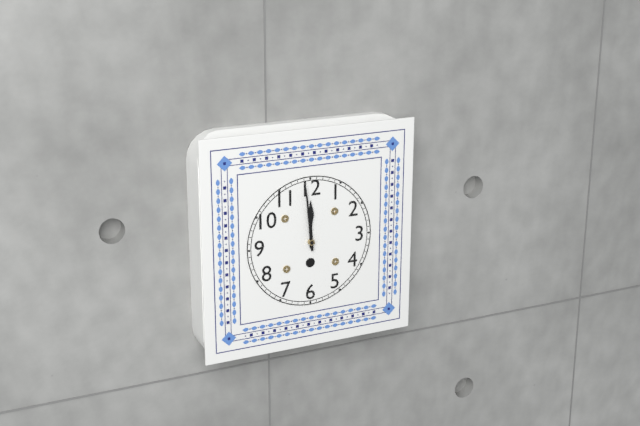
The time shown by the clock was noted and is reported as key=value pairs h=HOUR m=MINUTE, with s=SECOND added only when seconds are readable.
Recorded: h=11 m=59
